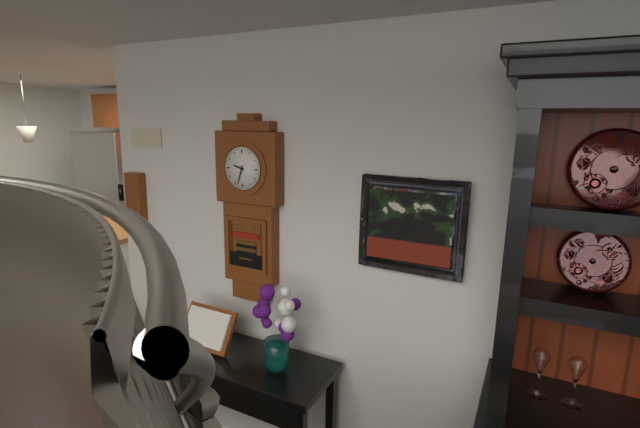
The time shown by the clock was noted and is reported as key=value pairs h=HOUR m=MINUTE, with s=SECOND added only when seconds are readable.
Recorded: h=9 m=33
